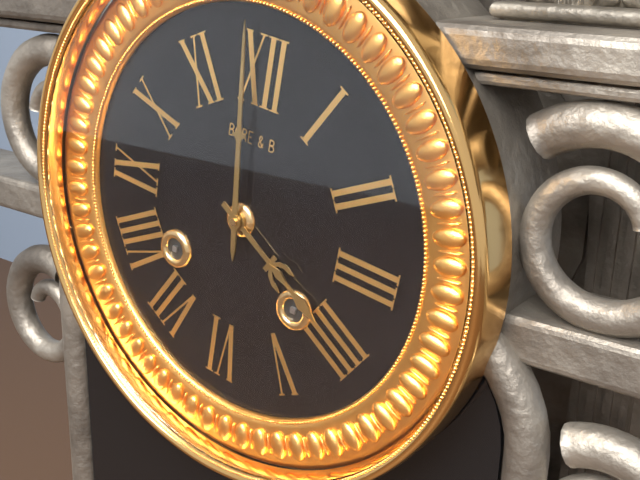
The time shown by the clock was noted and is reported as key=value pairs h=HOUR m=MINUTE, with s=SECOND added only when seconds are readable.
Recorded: h=3 m=59
